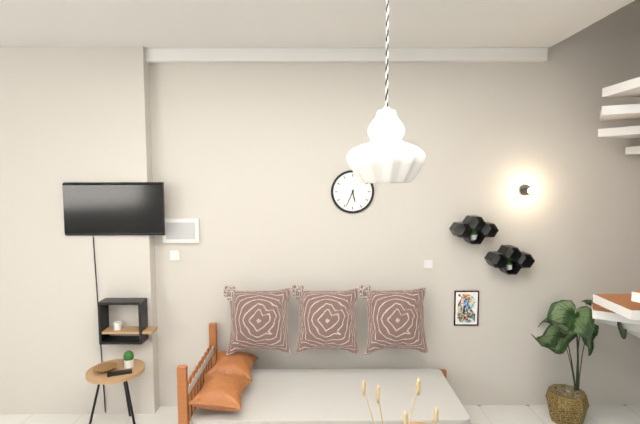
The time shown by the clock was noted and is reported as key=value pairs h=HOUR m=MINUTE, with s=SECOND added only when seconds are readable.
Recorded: h=5 m=34
